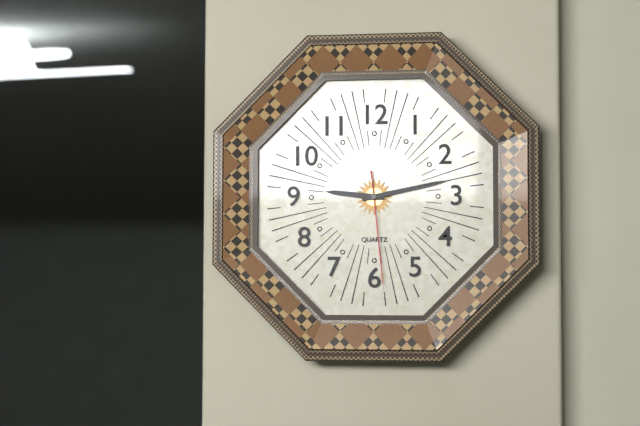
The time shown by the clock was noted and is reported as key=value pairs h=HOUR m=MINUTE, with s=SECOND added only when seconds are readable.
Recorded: h=9 m=13 s=29
